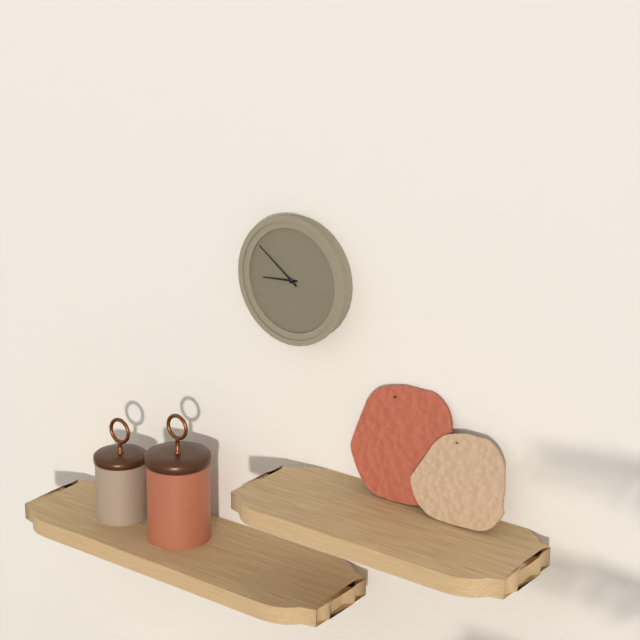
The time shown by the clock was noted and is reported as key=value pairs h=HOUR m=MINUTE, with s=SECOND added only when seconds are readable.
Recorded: h=8 m=51
